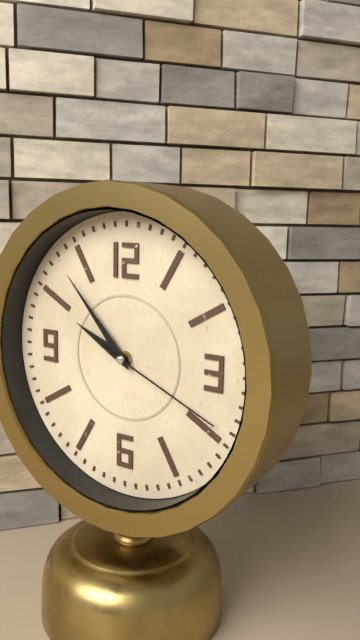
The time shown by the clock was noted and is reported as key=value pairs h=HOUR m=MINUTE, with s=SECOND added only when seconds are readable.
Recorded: h=9 m=53 s=19
